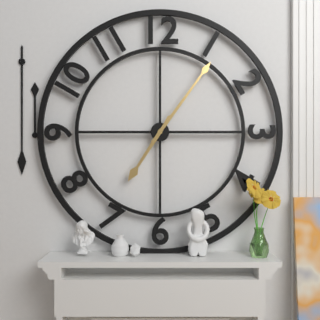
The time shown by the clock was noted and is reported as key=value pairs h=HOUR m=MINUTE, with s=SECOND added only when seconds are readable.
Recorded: h=7 m=6
